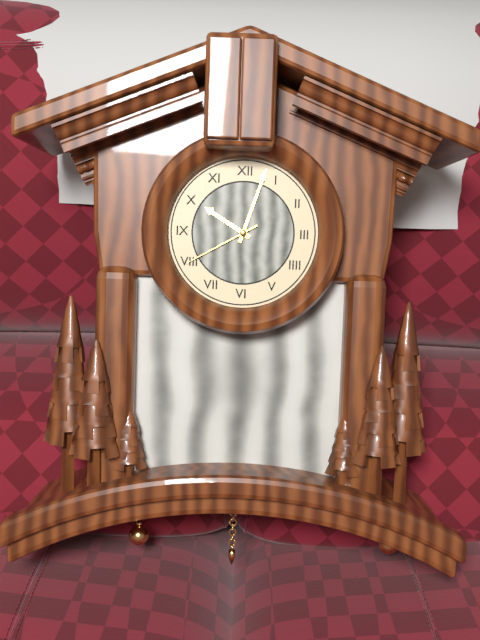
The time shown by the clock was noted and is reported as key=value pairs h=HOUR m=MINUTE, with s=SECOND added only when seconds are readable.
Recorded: h=10 m=3 s=40
